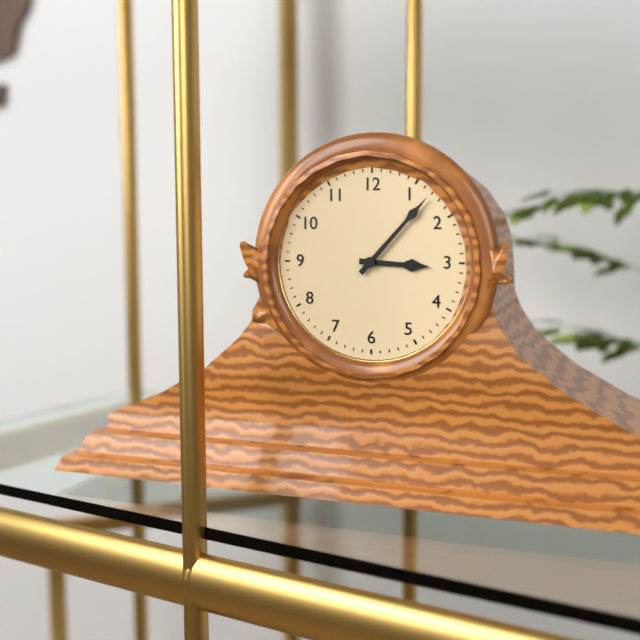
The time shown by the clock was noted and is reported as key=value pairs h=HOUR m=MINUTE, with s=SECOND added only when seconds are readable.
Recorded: h=3 m=7
